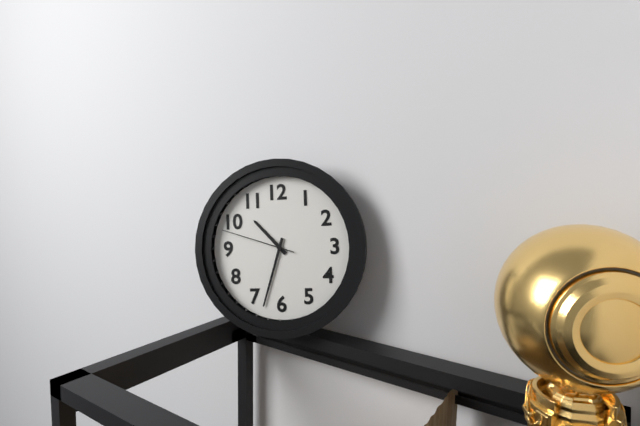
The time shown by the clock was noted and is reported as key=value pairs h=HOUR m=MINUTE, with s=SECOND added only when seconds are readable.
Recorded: h=10 m=33 s=48
